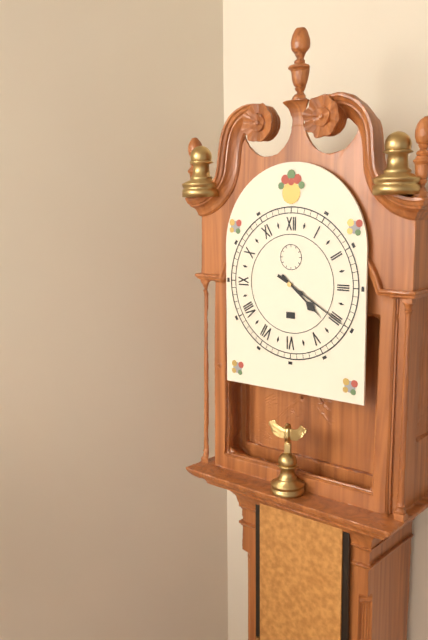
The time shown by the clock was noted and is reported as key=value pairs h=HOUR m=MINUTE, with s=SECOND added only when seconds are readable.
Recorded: h=4 m=20
